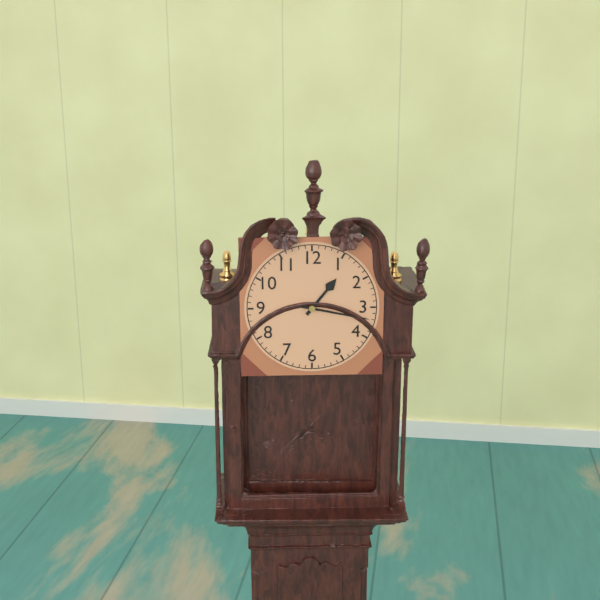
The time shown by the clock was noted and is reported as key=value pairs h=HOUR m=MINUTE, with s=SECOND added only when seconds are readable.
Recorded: h=1 m=17
